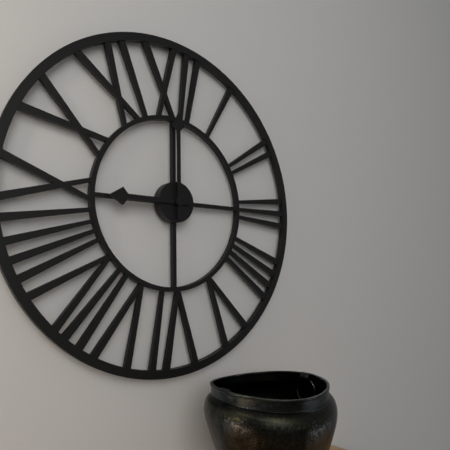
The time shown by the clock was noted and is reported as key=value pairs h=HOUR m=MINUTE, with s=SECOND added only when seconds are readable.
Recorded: h=9 m=0
